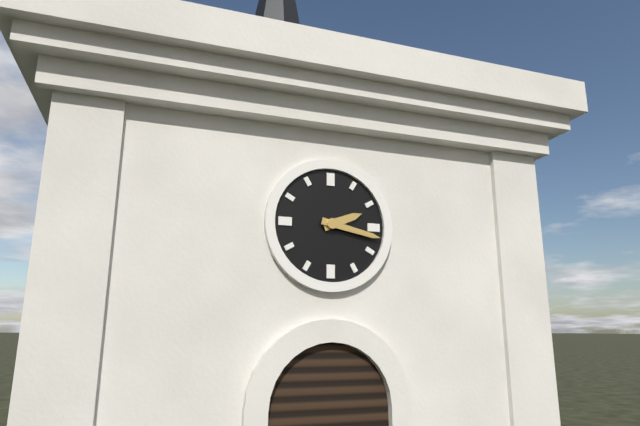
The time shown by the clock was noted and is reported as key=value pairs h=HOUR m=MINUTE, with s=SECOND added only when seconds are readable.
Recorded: h=2 m=17
